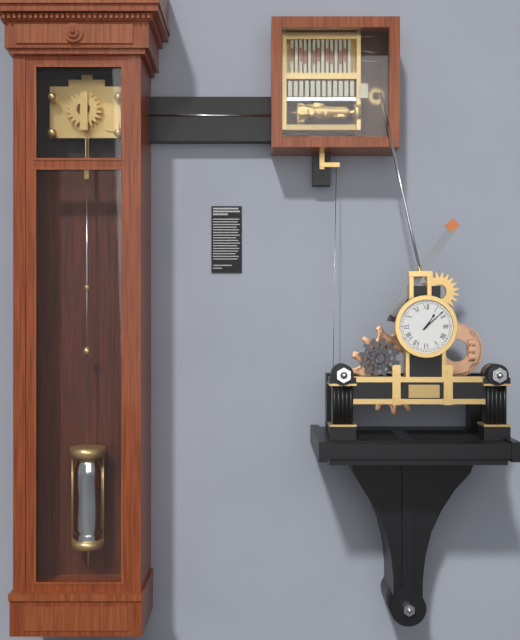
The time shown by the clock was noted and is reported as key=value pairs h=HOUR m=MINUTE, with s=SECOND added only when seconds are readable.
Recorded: h=1 m=8
